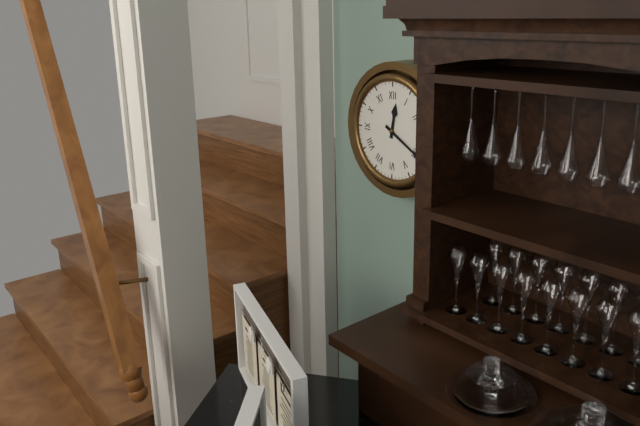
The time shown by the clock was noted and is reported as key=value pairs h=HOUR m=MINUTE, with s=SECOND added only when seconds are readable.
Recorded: h=12 m=20
